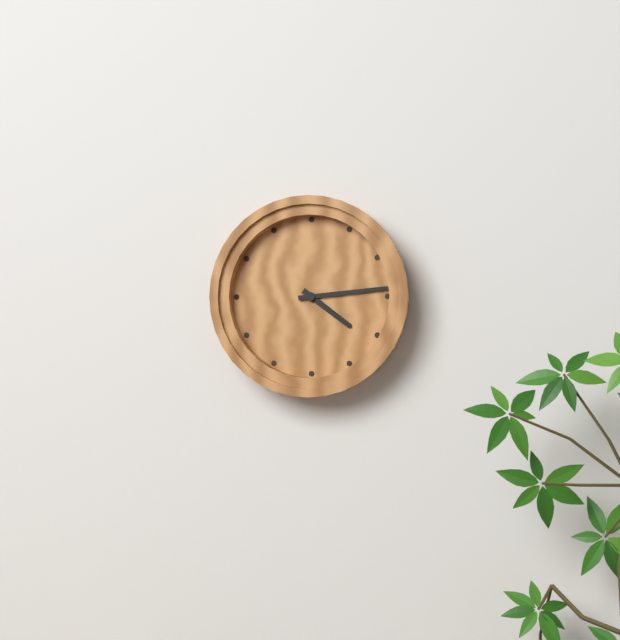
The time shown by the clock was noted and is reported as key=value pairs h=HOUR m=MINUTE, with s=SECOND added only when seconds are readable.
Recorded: h=4 m=14
